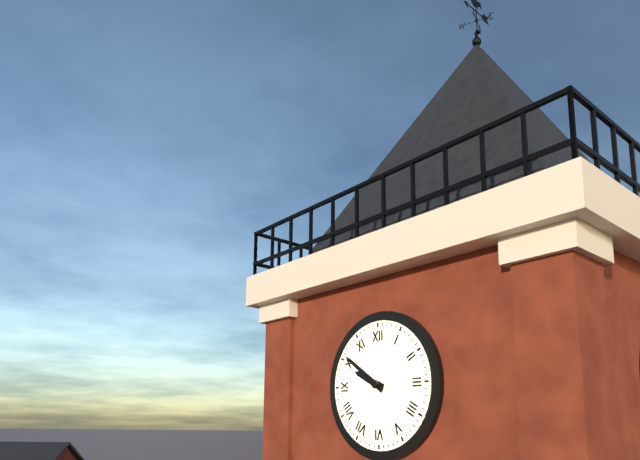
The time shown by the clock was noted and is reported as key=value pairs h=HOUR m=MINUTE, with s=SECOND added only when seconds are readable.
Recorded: h=9 m=51
